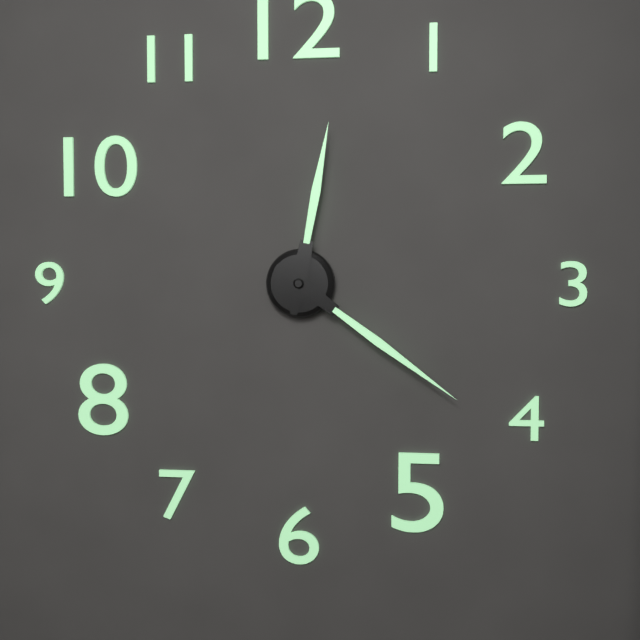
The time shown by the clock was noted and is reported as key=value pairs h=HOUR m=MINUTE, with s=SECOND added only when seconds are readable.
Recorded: h=12 m=21
